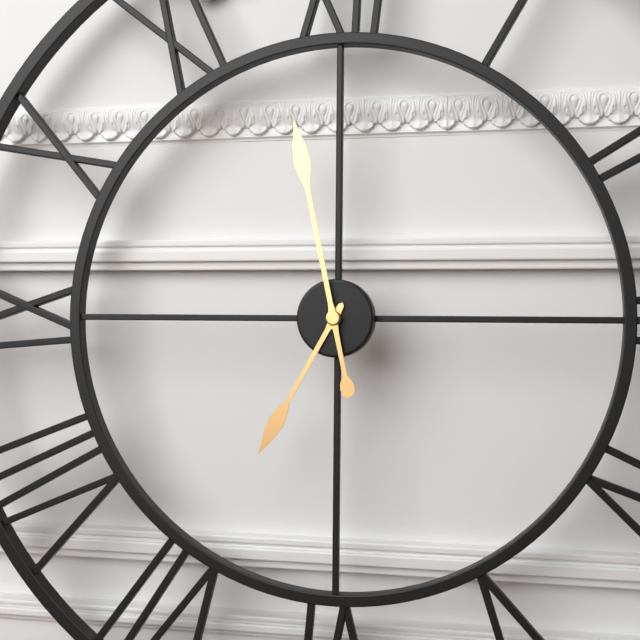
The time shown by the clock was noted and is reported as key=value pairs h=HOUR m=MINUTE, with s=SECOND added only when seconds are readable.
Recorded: h=6 m=58
